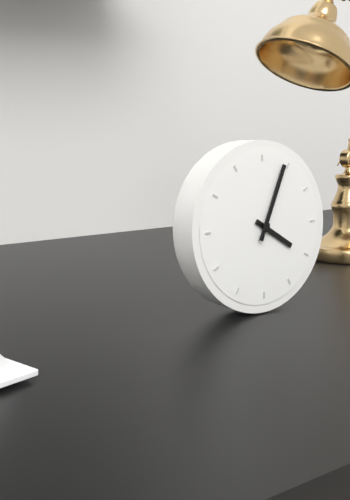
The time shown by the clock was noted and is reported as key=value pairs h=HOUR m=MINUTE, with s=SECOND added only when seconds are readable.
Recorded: h=4 m=4
